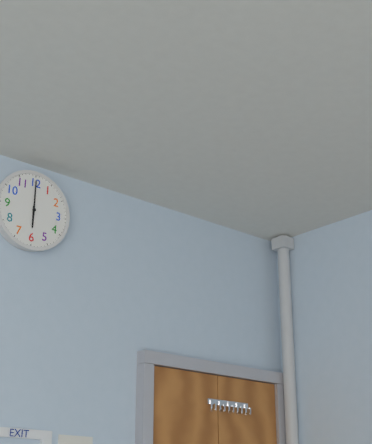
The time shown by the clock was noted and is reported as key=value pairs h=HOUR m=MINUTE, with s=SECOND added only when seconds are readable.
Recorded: h=6 m=0
